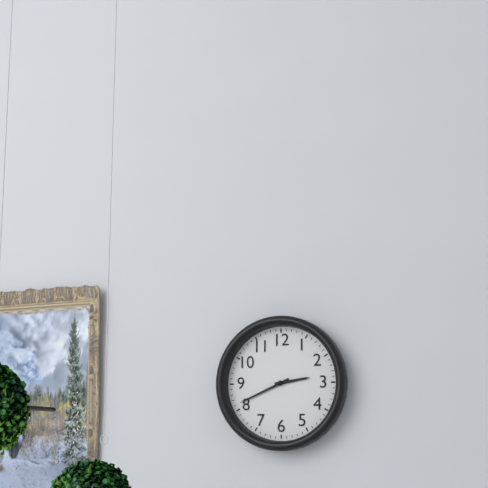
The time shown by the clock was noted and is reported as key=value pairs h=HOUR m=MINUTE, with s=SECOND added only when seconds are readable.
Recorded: h=2 m=41
